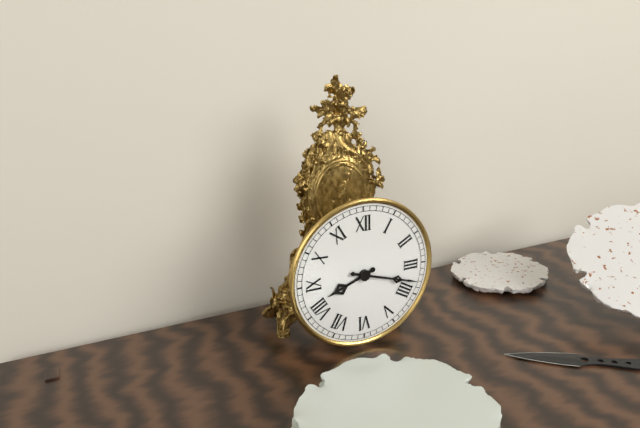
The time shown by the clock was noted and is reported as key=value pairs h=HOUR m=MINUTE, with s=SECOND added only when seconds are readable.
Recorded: h=8 m=18
